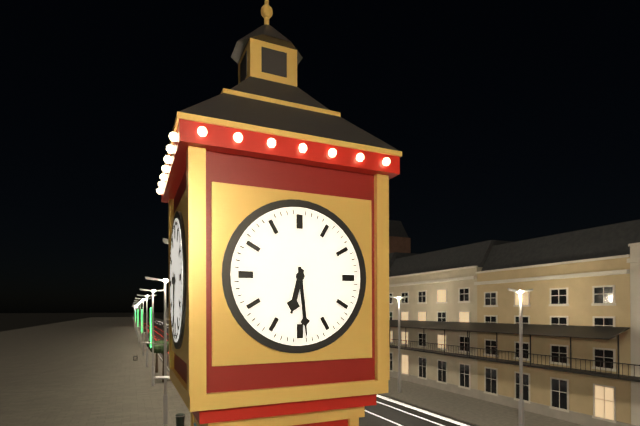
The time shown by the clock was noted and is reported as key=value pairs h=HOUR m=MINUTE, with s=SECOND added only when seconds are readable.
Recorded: h=6 m=29
